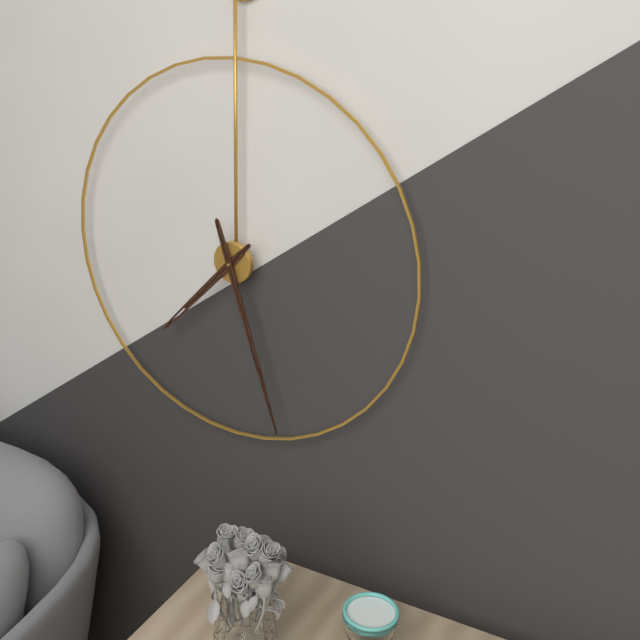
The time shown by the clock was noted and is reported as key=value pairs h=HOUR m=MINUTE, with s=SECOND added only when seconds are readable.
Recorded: h=7 m=27
